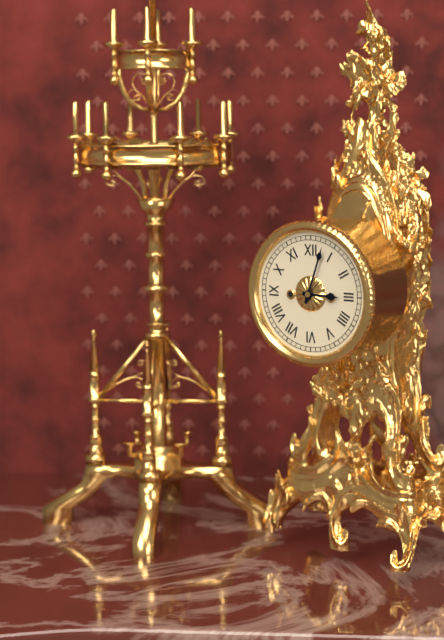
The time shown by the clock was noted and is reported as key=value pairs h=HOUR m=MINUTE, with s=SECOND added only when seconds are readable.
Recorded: h=3 m=3
